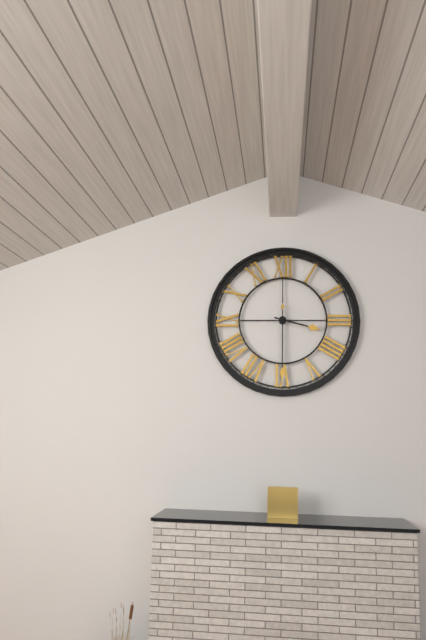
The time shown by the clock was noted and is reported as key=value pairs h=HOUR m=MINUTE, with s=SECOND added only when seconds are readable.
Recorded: h=3 m=30
